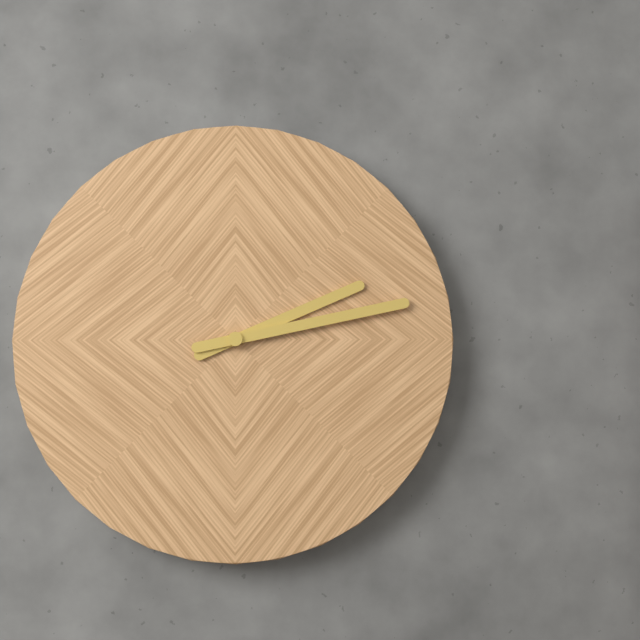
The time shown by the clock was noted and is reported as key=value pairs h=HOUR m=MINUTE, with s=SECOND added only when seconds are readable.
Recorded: h=2 m=13
